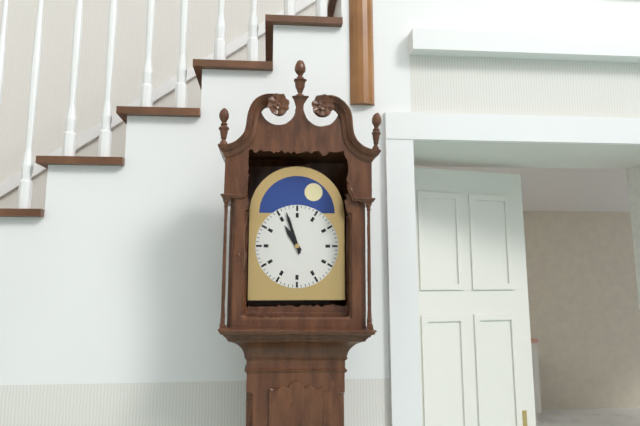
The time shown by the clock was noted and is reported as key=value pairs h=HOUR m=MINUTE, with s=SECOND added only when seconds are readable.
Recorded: h=10 m=57
